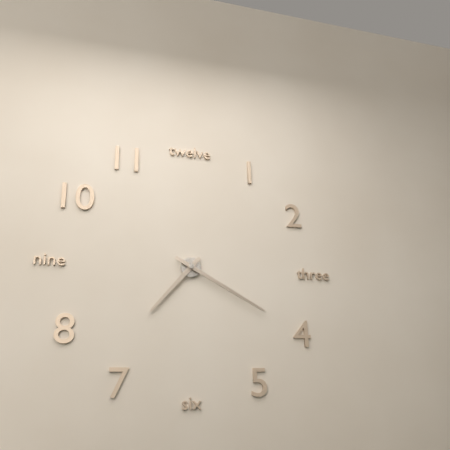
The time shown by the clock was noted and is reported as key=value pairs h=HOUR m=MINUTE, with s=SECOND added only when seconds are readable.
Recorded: h=7 m=20
